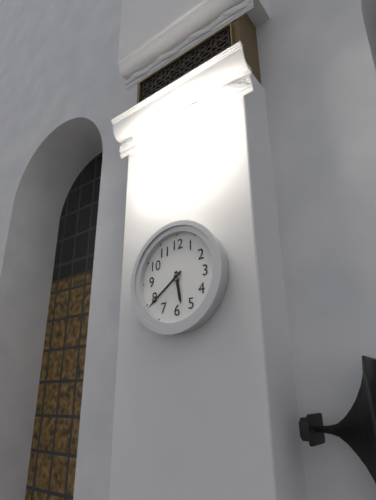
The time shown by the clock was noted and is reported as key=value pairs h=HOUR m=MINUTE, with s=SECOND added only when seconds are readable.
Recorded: h=5 m=39
